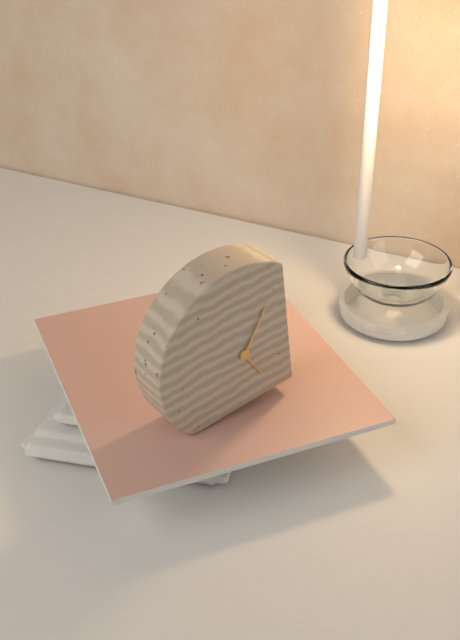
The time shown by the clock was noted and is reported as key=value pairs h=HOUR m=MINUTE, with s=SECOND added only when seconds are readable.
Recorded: h=5 m=6
